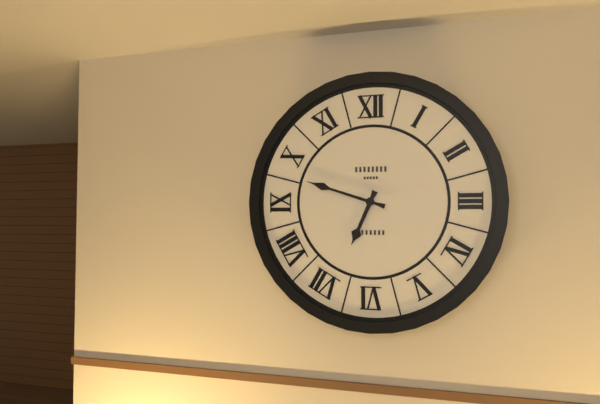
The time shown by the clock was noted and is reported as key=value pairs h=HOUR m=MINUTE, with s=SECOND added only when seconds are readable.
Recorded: h=6 m=48
